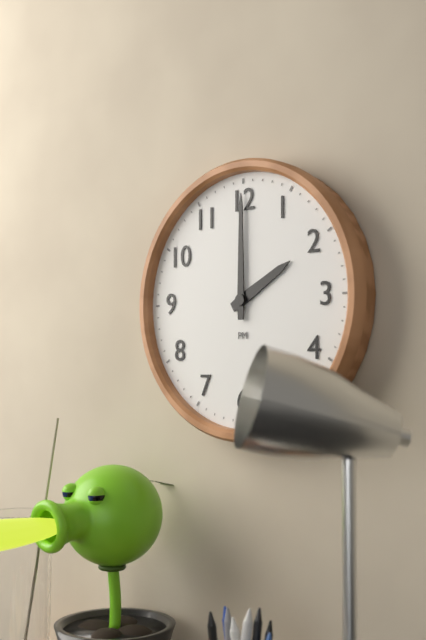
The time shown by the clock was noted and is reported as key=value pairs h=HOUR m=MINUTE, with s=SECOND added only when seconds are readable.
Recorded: h=2 m=0
